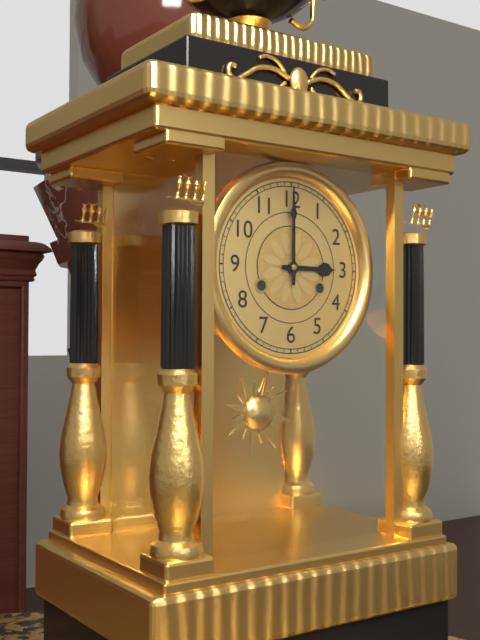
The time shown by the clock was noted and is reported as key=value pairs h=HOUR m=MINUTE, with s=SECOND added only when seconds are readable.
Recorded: h=3 m=0
